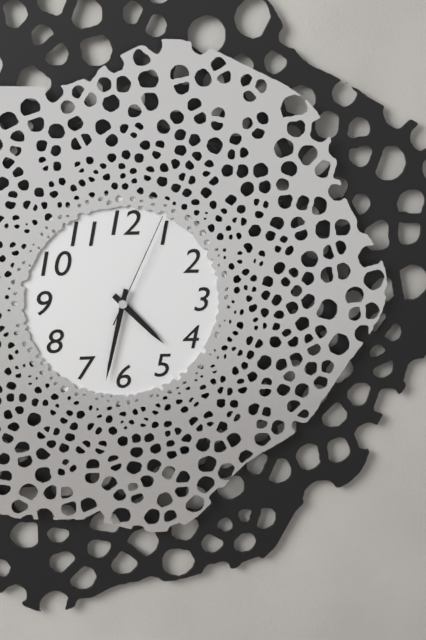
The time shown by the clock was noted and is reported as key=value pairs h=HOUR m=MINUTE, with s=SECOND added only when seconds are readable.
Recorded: h=4 m=32 s=4
